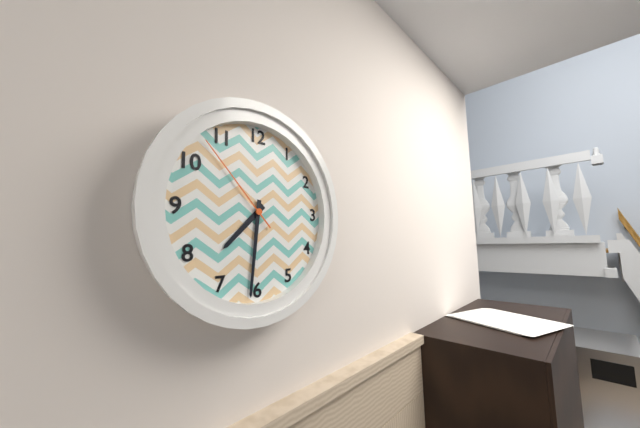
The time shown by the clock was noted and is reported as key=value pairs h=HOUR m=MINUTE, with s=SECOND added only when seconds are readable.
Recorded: h=7 m=31 s=53
